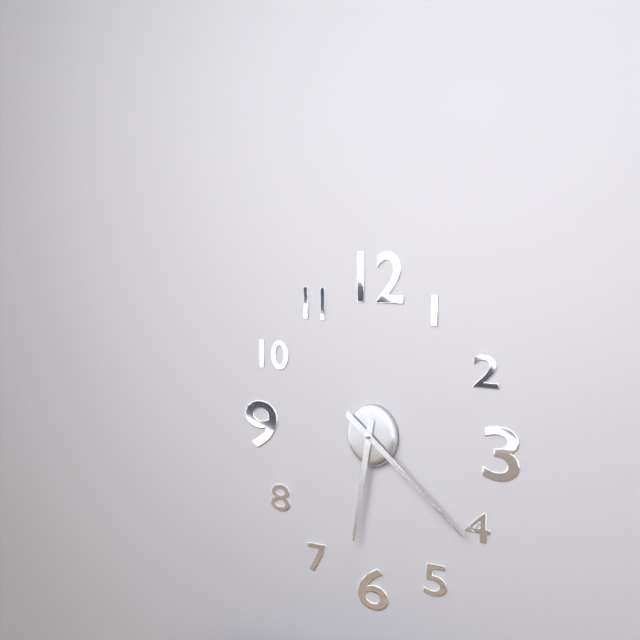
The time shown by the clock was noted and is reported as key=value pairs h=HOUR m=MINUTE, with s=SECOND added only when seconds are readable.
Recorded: h=6 m=21
